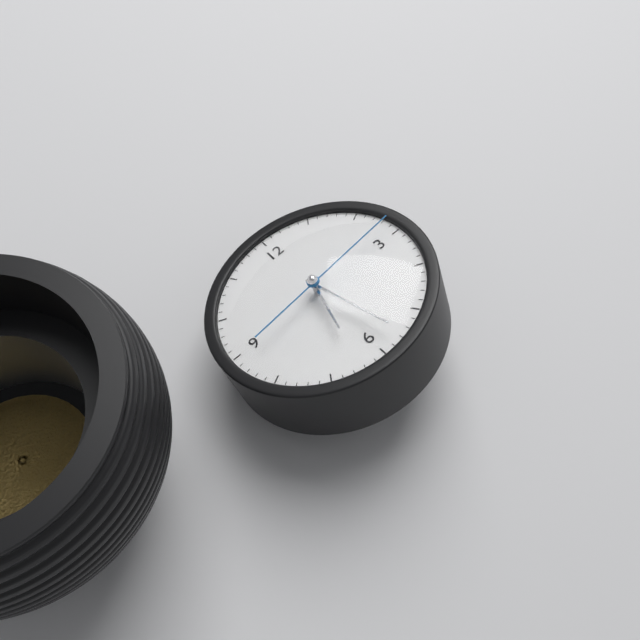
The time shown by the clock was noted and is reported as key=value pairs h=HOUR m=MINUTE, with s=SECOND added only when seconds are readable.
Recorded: h=6 m=28 s=14
